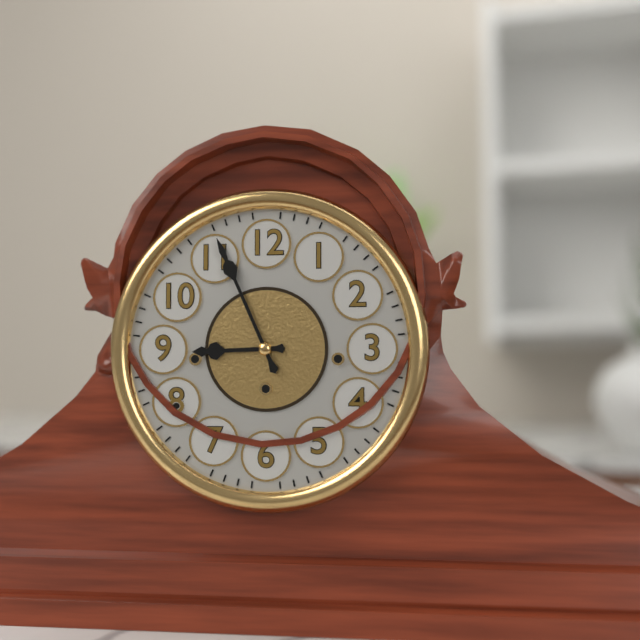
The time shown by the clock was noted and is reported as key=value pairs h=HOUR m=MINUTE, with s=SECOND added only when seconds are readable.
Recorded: h=8 m=56
